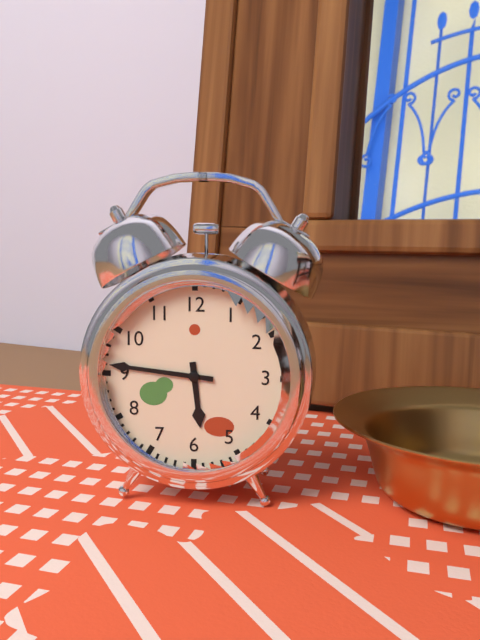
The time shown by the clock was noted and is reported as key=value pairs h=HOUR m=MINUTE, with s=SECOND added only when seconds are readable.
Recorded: h=5 m=46
